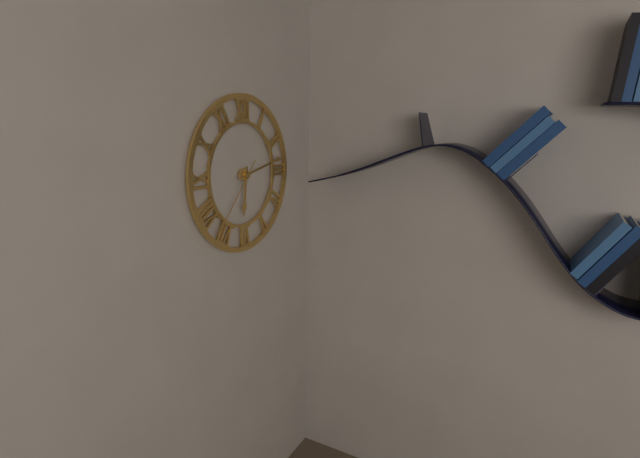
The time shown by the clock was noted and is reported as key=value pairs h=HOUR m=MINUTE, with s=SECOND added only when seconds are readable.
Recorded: h=6 m=13 s=37
